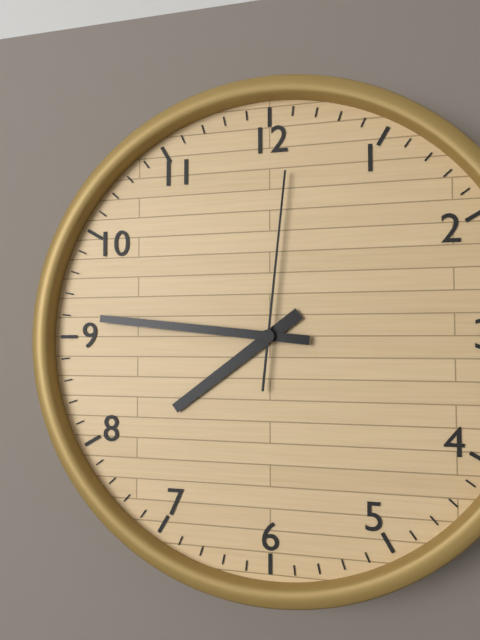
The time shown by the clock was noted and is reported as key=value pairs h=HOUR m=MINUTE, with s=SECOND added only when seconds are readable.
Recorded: h=7 m=46 s=1
